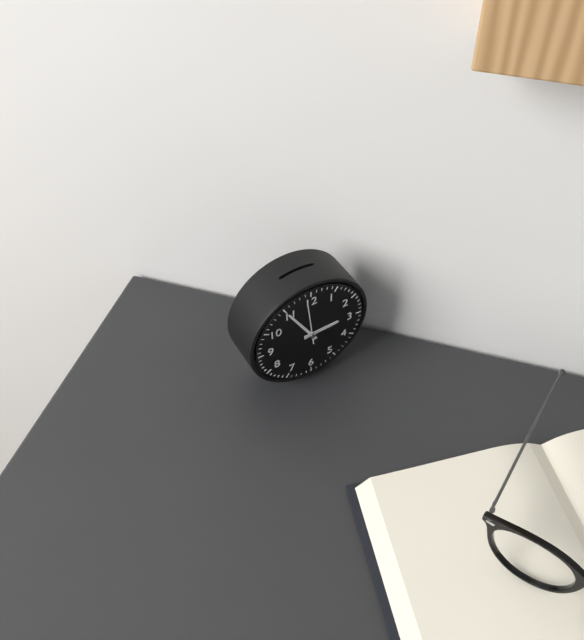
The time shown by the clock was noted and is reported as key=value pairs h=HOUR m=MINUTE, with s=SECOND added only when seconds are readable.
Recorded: h=2 m=55
